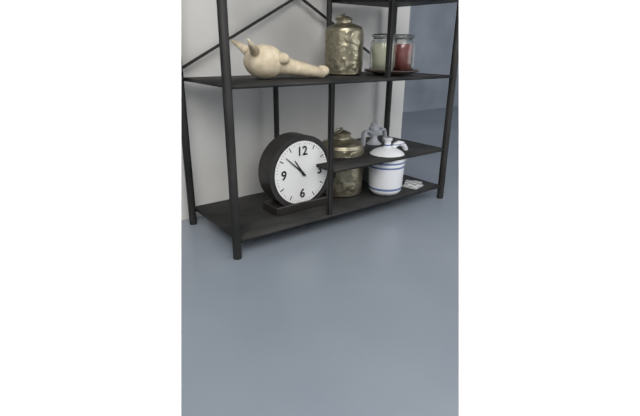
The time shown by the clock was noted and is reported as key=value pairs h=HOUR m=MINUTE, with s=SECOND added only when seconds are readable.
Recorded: h=10 m=52
